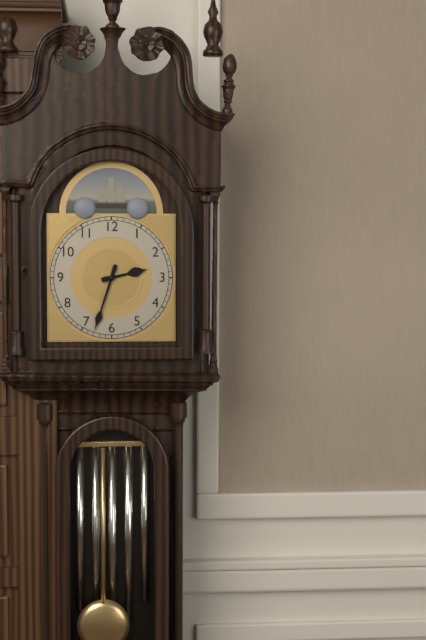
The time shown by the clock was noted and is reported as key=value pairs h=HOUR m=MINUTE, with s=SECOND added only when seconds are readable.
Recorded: h=2 m=33
